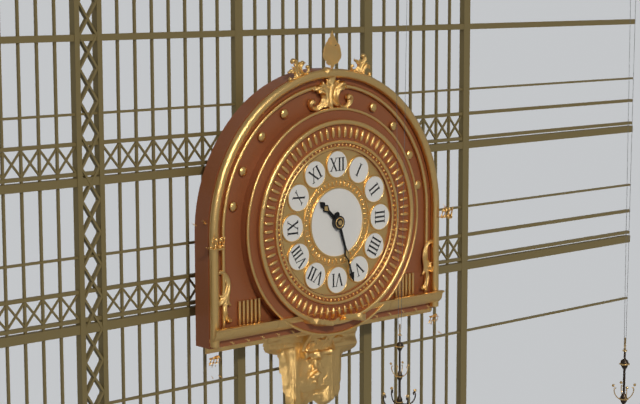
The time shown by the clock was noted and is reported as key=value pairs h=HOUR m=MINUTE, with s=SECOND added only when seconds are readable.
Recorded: h=10 m=27
